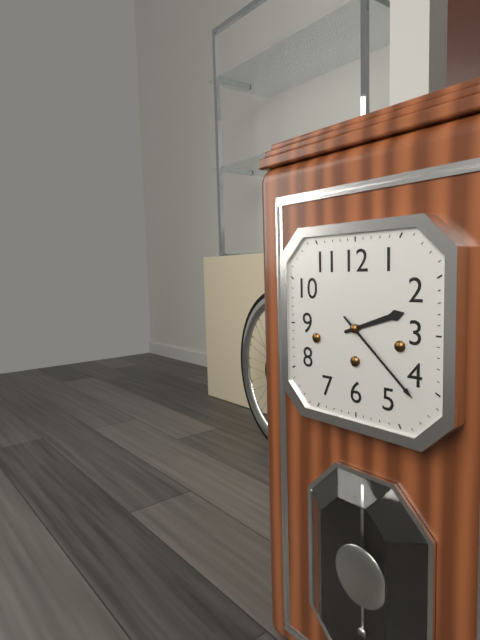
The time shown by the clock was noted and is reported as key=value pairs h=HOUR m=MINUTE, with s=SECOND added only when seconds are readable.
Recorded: h=2 m=22
